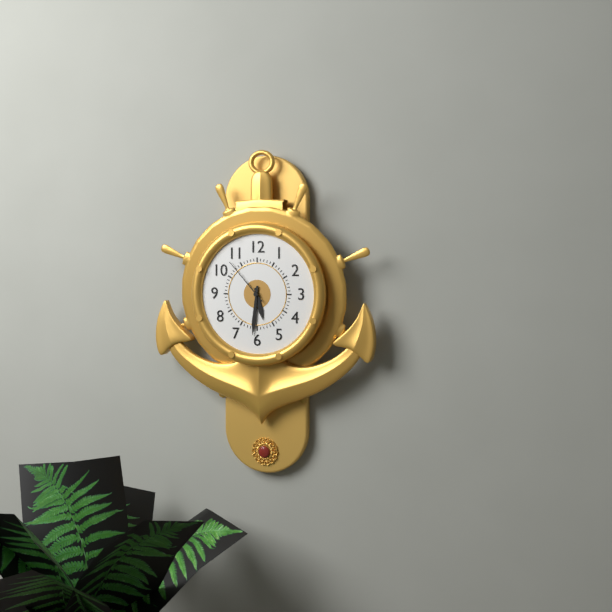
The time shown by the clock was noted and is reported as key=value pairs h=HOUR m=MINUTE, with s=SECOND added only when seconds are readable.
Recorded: h=5 m=31 s=53
